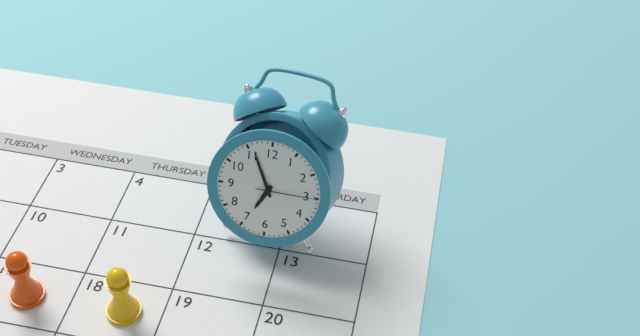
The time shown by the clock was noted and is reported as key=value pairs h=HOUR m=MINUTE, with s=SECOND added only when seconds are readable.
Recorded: h=6 m=56 s=15
